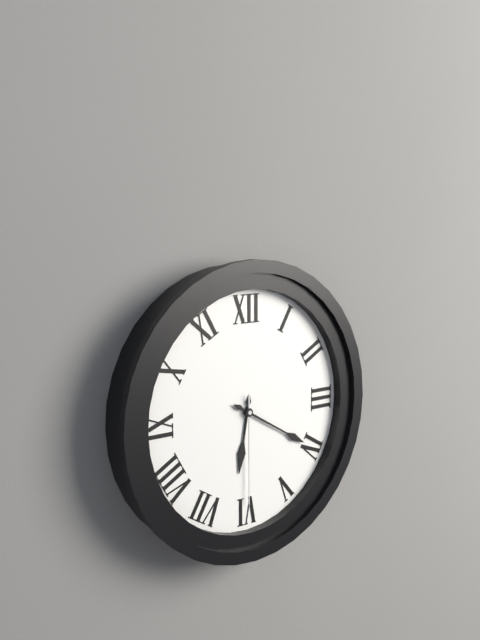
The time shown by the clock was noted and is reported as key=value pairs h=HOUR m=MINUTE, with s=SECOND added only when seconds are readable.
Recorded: h=6 m=20 s=30
